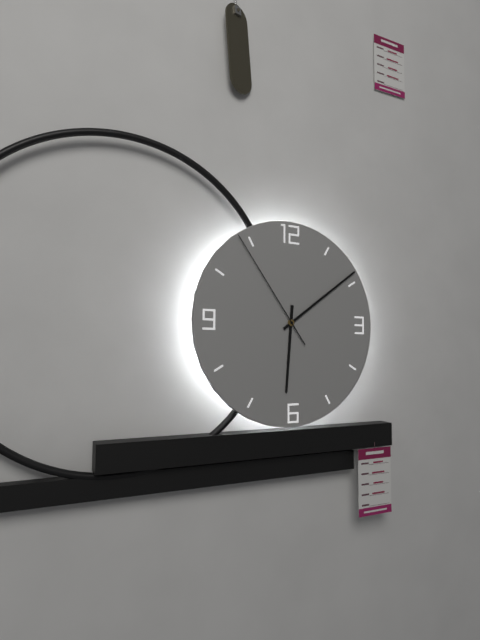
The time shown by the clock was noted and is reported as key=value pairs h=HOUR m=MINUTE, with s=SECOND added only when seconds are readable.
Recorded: h=6 m=9 s=54
